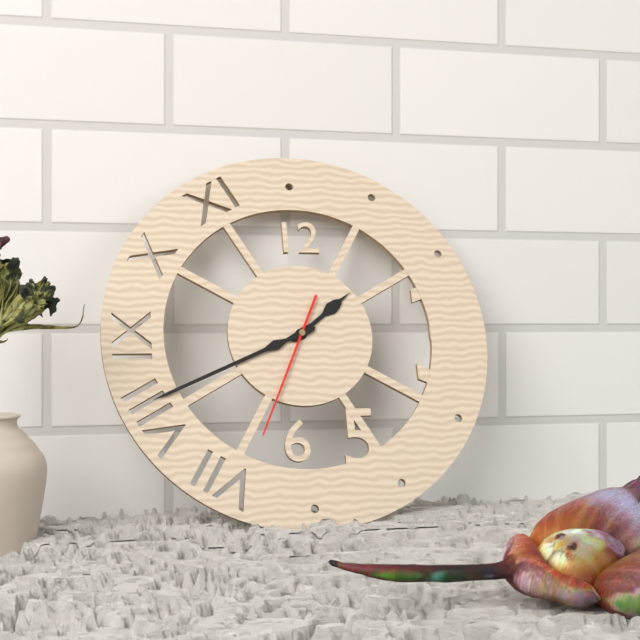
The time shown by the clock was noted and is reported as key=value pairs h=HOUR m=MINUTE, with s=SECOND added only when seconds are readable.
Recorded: h=1 m=41 s=34
